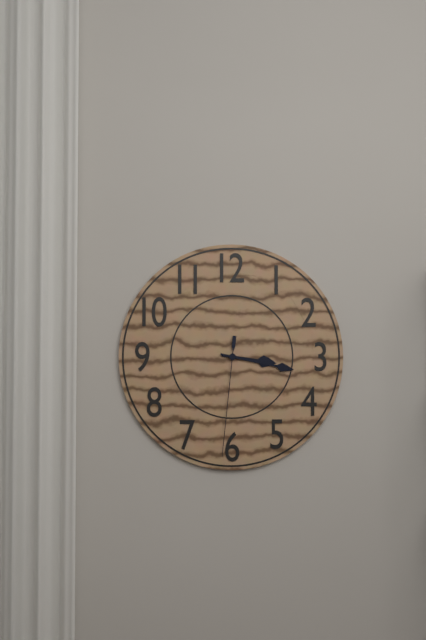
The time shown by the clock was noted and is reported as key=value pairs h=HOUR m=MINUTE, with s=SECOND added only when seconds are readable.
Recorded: h=3 m=17 s=31
